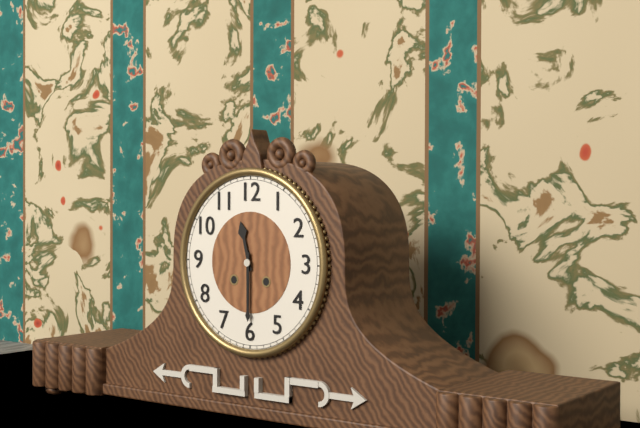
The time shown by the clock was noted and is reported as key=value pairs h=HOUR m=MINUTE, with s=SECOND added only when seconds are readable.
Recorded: h=11 m=30
